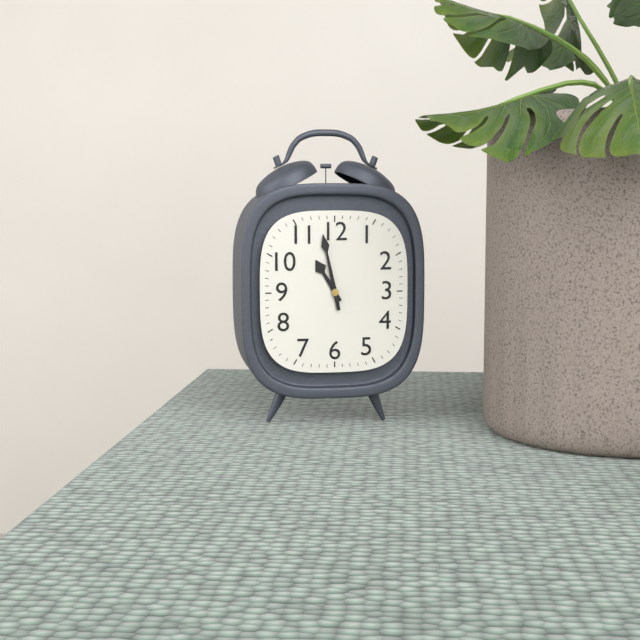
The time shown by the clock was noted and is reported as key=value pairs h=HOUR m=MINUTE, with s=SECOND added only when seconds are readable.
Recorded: h=10 m=58
